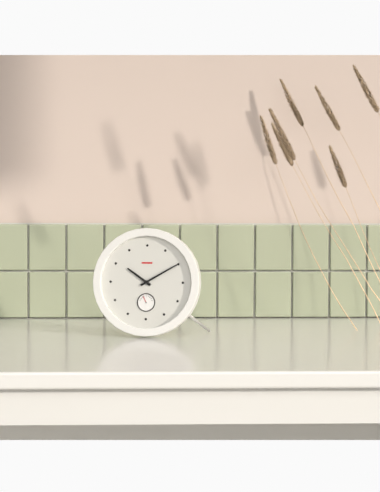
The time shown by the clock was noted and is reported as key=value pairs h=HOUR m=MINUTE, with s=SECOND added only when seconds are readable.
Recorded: h=10 m=10
